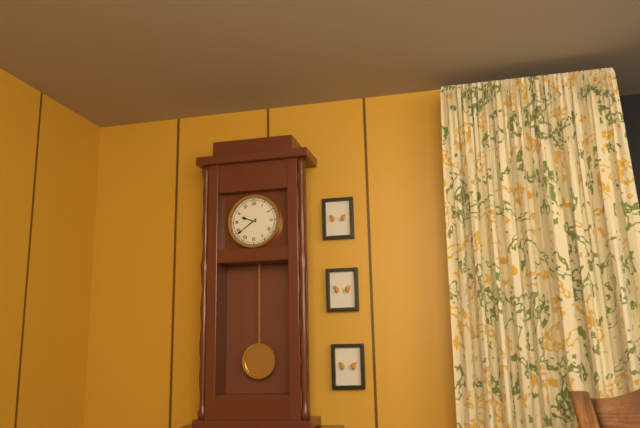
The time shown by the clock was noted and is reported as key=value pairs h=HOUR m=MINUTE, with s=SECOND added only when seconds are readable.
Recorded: h=9 m=39
